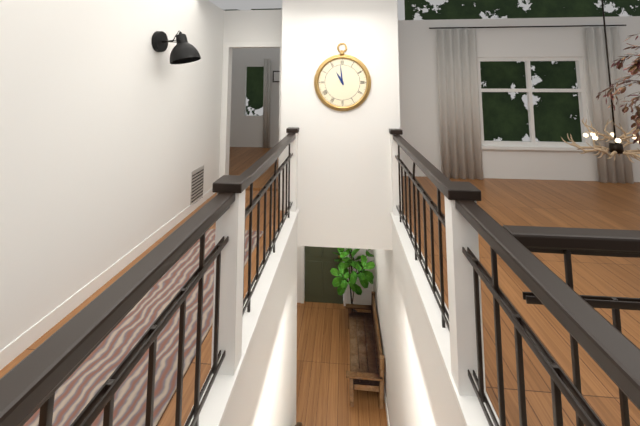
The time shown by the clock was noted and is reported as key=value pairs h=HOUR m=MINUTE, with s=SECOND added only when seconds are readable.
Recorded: h=10 m=59
